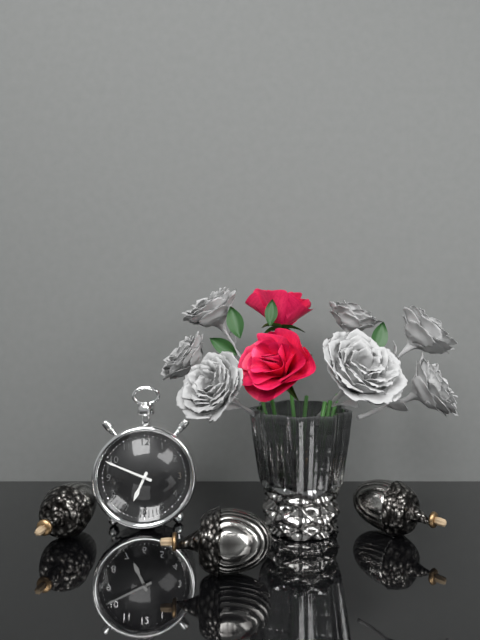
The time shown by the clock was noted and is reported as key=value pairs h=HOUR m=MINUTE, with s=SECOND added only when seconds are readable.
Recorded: h=6 m=49
